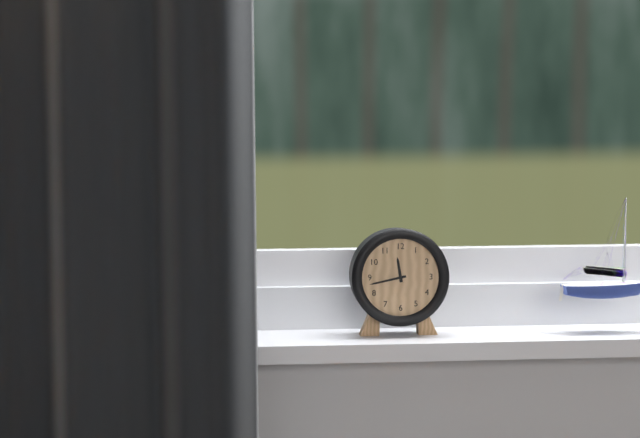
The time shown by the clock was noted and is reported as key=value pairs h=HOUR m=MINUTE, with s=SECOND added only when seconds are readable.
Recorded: h=11 m=43
